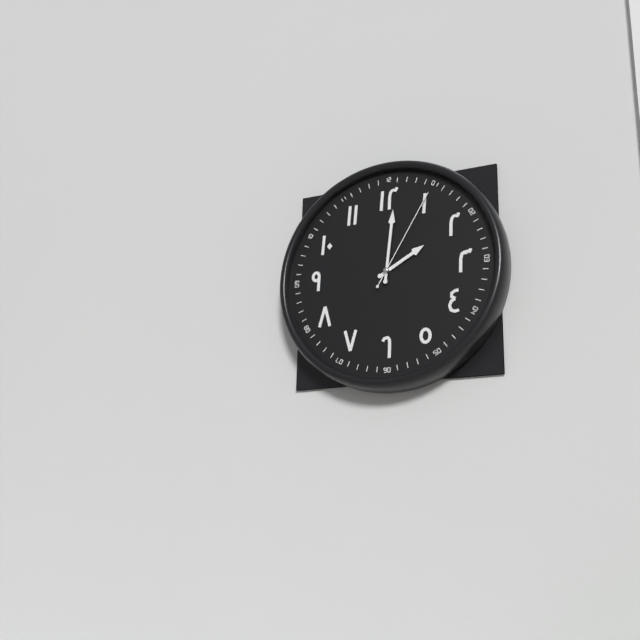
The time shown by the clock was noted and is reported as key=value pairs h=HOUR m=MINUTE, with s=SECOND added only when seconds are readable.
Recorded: h=2 m=1 s=5
